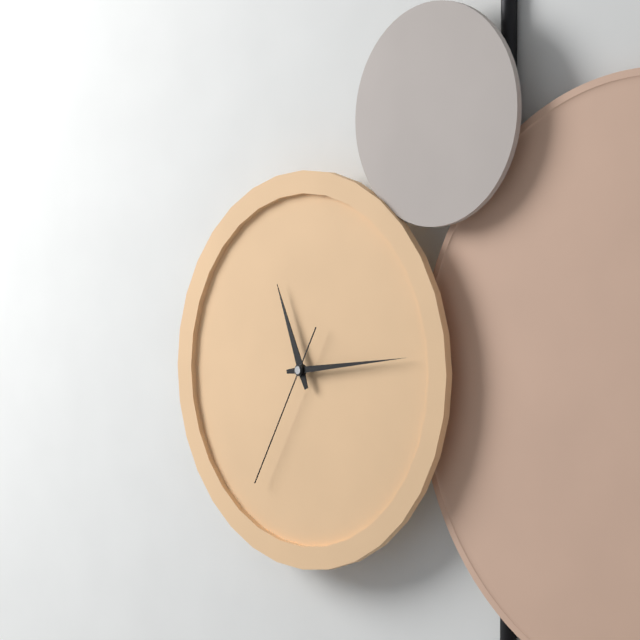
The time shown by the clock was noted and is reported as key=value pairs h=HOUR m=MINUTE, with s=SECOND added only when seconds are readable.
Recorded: h=11 m=14 s=35
